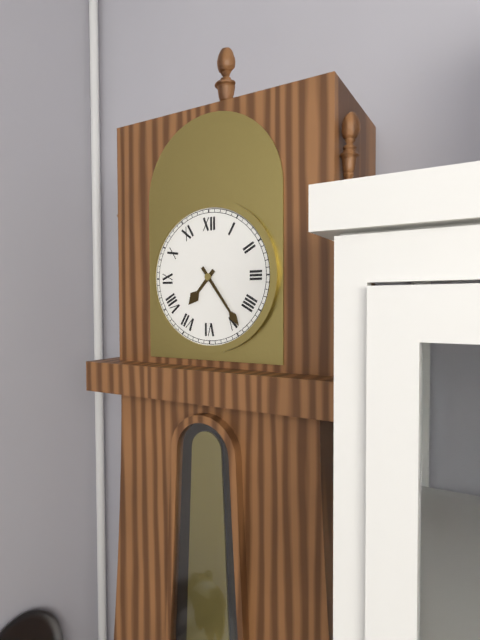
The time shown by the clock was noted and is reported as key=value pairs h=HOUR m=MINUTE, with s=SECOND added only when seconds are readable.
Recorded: h=7 m=24
